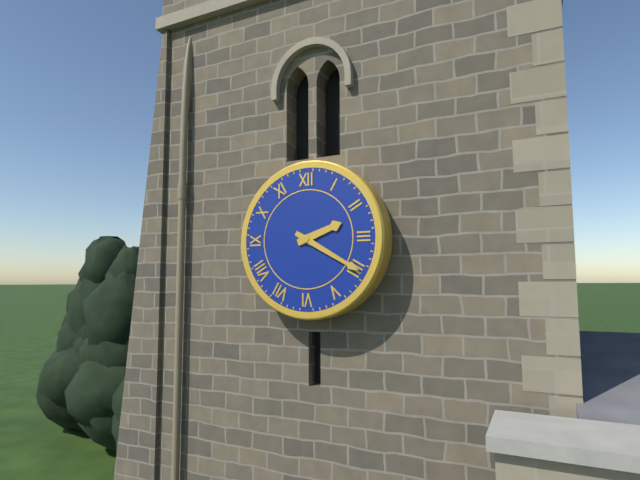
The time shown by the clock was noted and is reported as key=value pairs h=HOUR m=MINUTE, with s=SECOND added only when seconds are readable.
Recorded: h=2 m=20
